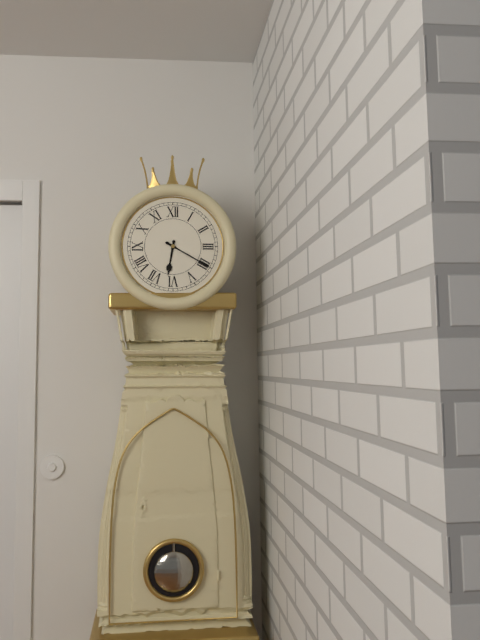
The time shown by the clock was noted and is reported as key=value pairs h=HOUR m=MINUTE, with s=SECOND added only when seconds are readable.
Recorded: h=6 m=20
